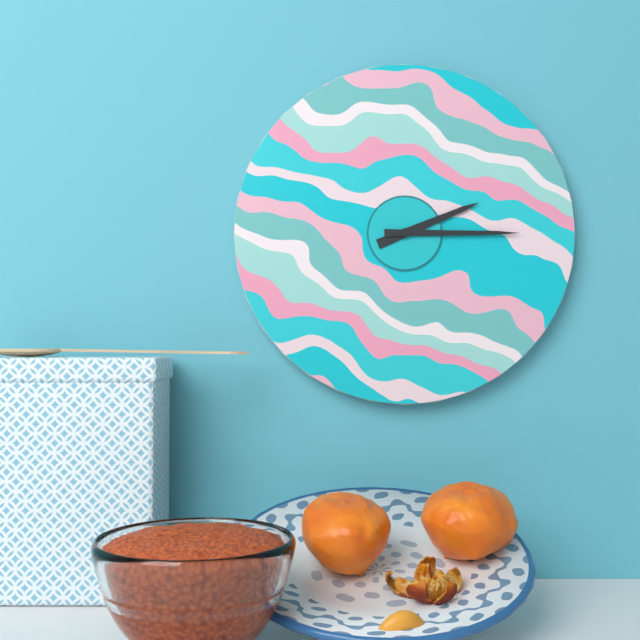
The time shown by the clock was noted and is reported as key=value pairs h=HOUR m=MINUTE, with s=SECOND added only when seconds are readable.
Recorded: h=2 m=15
